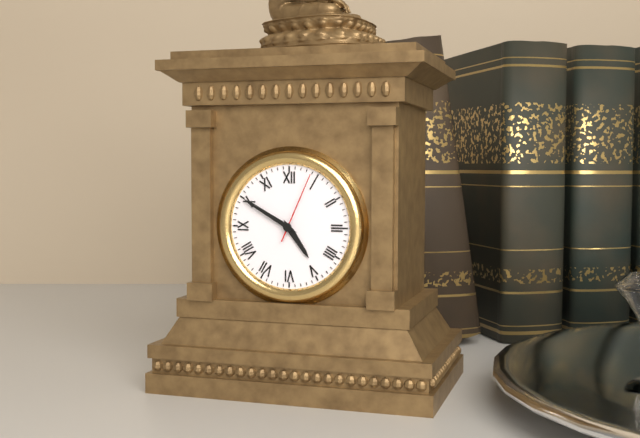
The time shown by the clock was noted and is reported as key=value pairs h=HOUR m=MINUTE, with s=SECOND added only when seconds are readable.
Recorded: h=4 m=50 s=4
